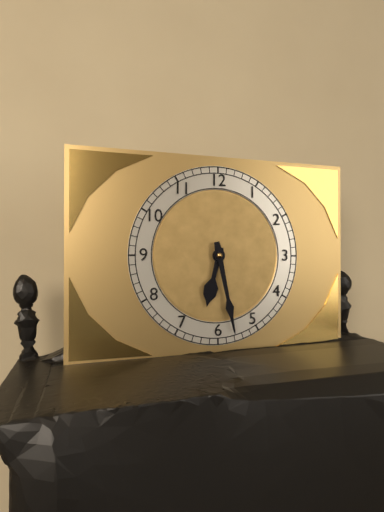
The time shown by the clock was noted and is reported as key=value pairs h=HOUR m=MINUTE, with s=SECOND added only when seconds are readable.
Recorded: h=6 m=28
